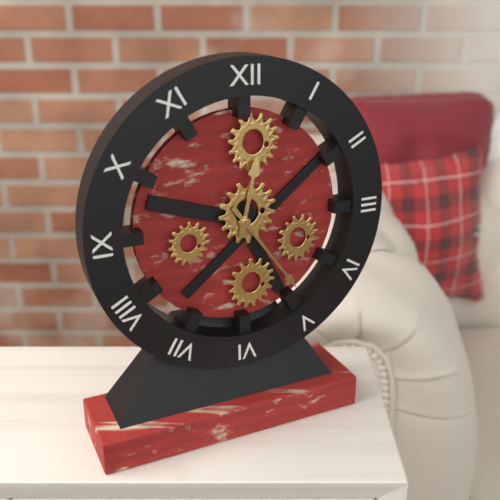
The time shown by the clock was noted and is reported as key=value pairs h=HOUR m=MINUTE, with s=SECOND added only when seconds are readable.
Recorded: h=12 m=24
